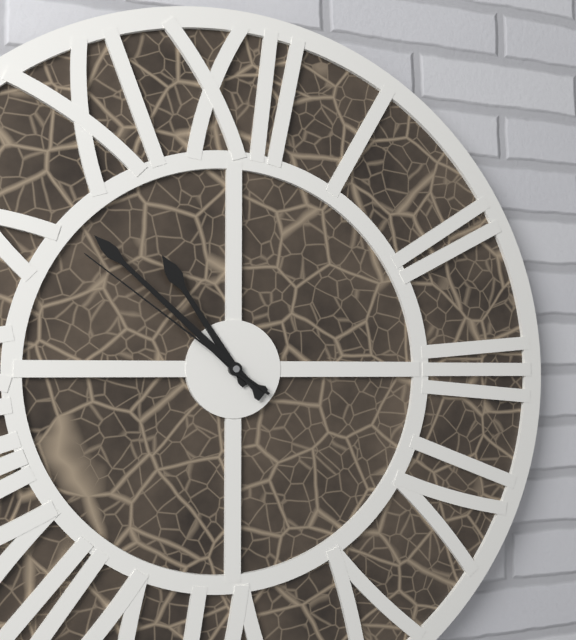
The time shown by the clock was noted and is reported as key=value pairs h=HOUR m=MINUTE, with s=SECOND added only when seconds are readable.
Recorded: h=10 m=52 s=51
